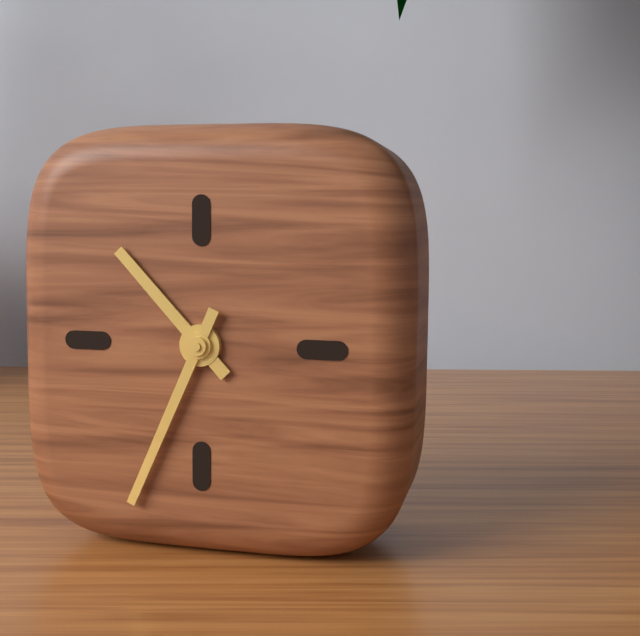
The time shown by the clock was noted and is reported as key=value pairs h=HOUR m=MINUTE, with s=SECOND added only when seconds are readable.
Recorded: h=10 m=34
